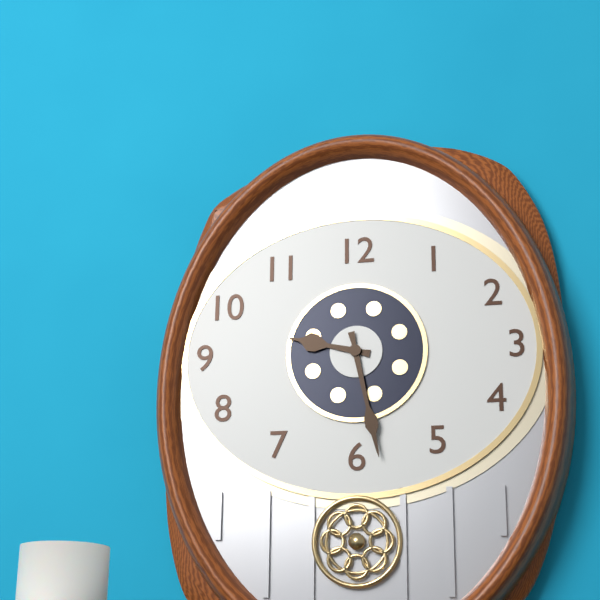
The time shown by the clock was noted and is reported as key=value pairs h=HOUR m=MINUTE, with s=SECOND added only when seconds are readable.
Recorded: h=9 m=28
